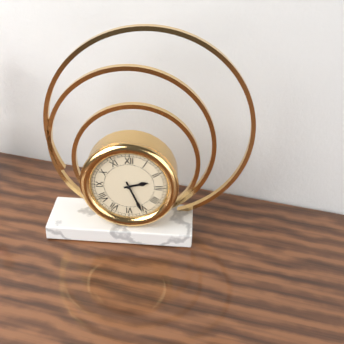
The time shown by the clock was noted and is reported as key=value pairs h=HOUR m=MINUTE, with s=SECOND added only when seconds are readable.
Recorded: h=2 m=26
